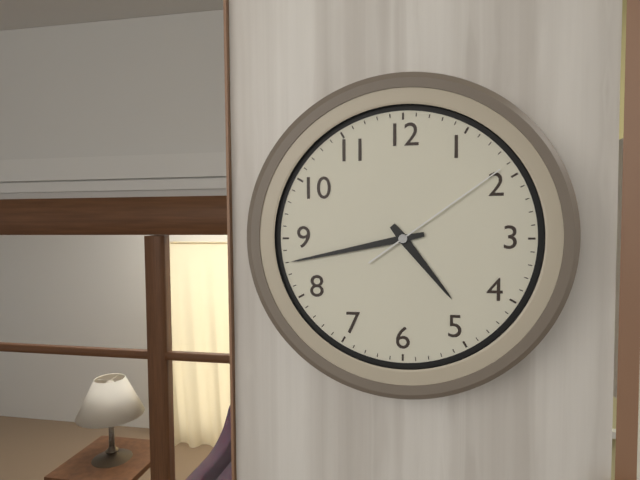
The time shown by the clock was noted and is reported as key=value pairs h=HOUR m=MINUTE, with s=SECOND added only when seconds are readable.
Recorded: h=4 m=43 s=9
